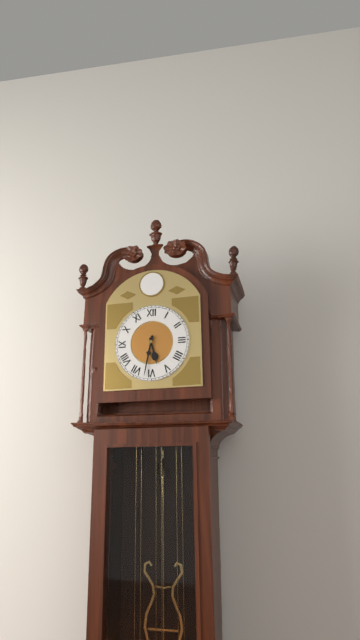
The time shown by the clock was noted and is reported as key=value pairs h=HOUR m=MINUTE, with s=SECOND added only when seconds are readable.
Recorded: h=5 m=32
